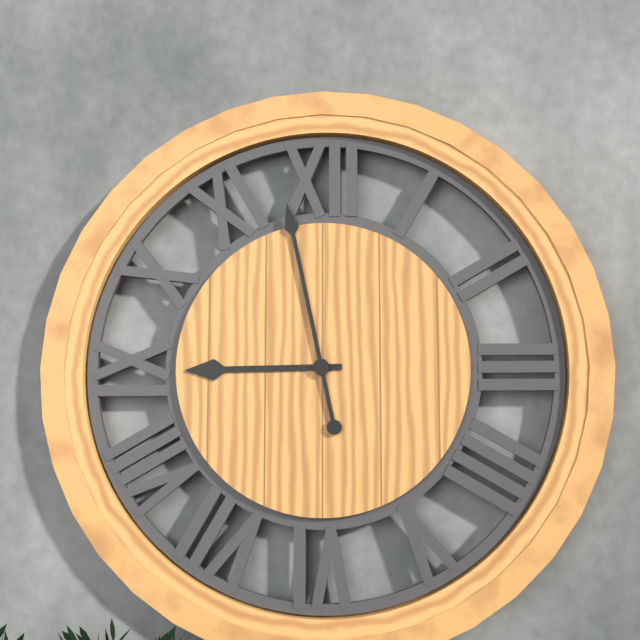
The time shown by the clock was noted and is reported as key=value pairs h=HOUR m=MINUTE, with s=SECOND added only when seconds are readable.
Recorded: h=8 m=58
